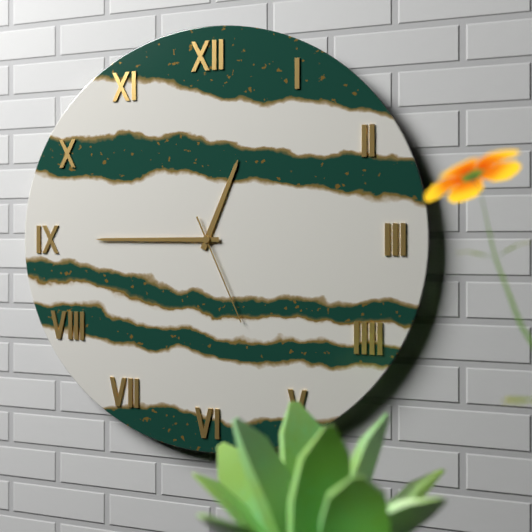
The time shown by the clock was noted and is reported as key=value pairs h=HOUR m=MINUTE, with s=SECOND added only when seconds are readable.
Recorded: h=12 m=45 s=26
